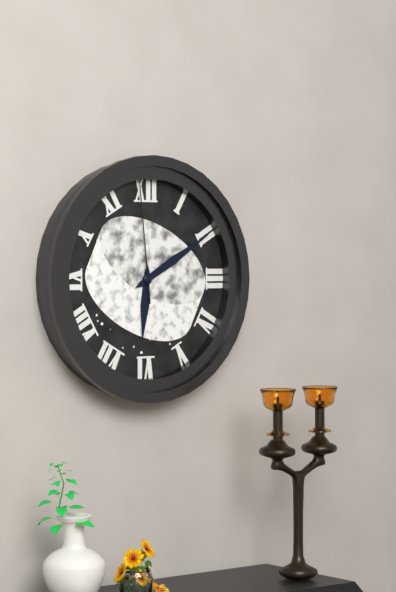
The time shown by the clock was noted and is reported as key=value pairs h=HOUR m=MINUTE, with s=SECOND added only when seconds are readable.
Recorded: h=6 m=10 s=59
